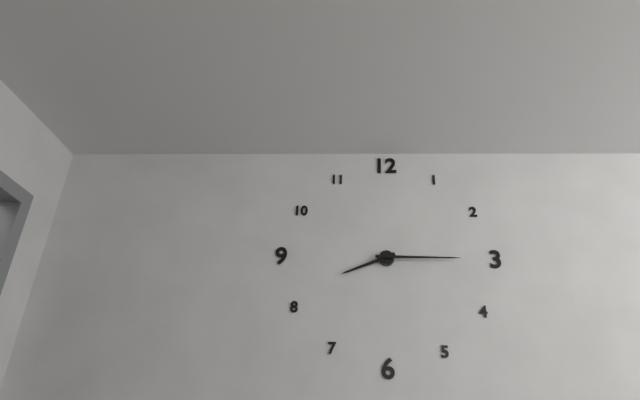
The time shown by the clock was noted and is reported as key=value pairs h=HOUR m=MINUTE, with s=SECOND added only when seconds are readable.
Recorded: h=8 m=15
